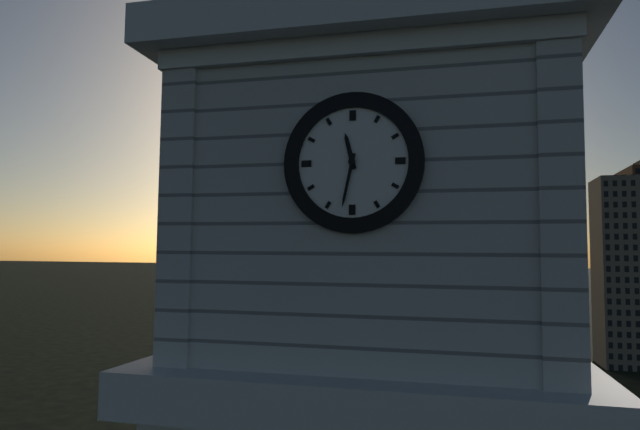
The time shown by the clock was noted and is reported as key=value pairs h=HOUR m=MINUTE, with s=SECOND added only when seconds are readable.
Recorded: h=11 m=32
